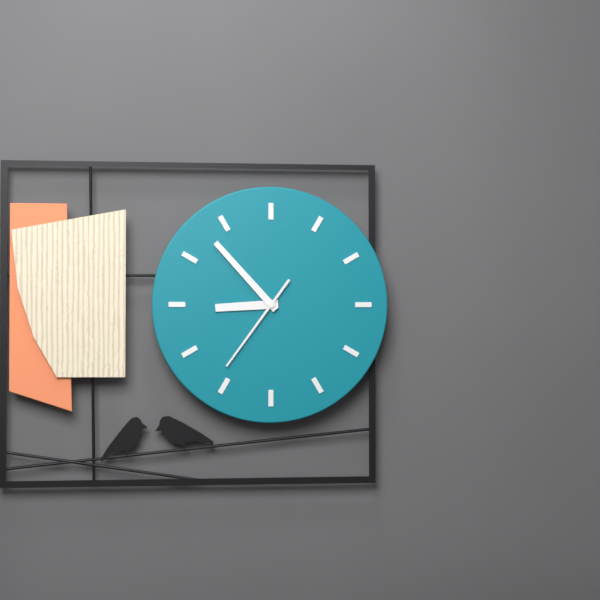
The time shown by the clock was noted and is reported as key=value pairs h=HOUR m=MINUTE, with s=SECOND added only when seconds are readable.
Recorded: h=8 m=53 s=36
